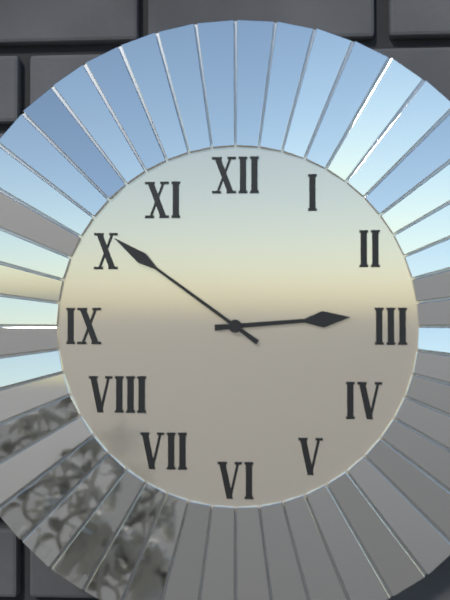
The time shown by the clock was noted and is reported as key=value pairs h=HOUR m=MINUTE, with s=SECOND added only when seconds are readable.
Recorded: h=2 m=51
